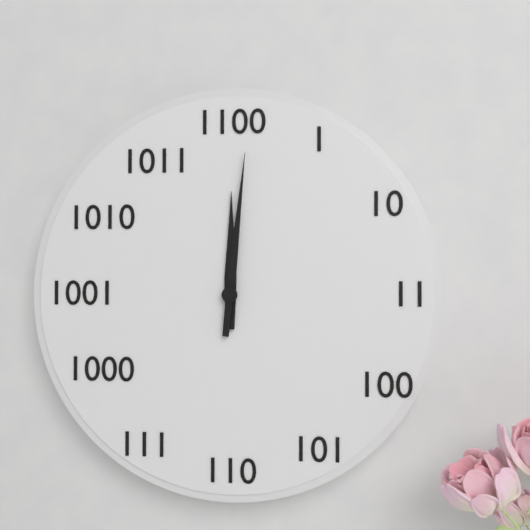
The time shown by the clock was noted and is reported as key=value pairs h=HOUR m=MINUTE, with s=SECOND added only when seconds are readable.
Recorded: h=12 m=1
